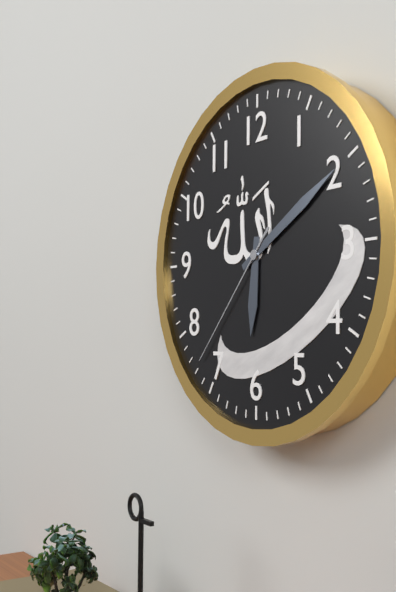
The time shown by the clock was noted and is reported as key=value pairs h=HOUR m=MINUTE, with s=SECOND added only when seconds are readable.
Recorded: h=6 m=10 s=37
